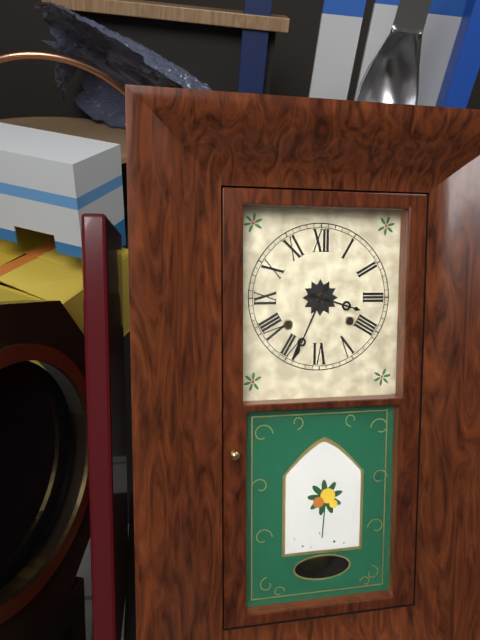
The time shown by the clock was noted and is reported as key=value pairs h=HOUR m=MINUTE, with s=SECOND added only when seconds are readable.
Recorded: h=3 m=34
